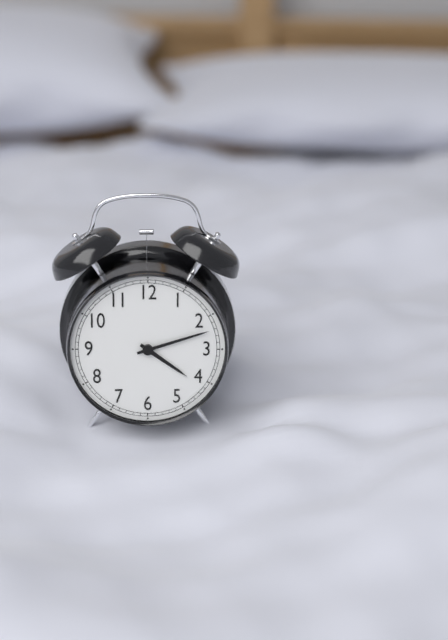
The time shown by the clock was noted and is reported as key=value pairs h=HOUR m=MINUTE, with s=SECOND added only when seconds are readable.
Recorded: h=4 m=12
